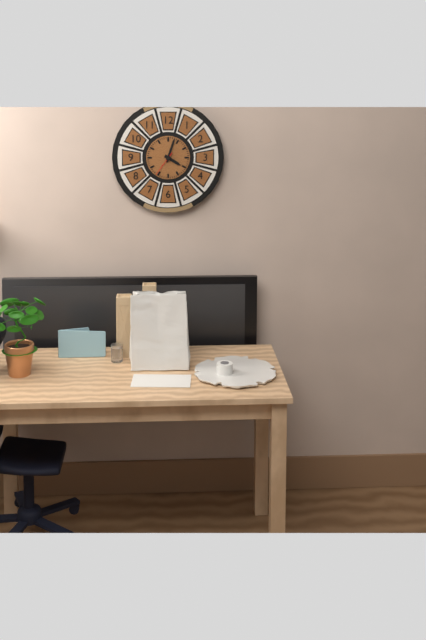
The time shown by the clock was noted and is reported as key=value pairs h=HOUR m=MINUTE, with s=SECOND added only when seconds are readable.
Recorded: h=4 m=3
